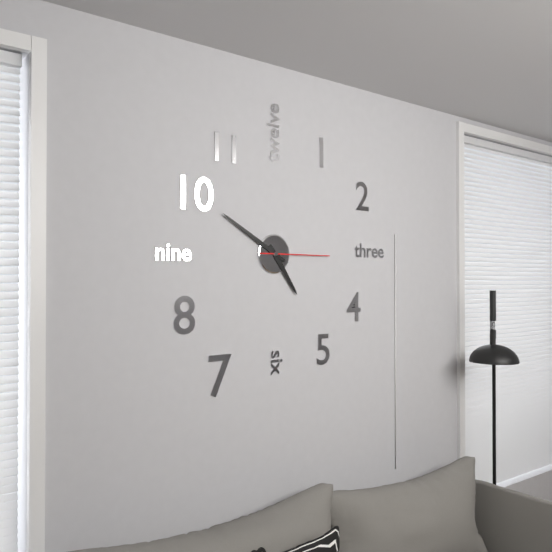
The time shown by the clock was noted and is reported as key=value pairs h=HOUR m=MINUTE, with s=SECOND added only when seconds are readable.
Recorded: h=4 m=50 s=15
